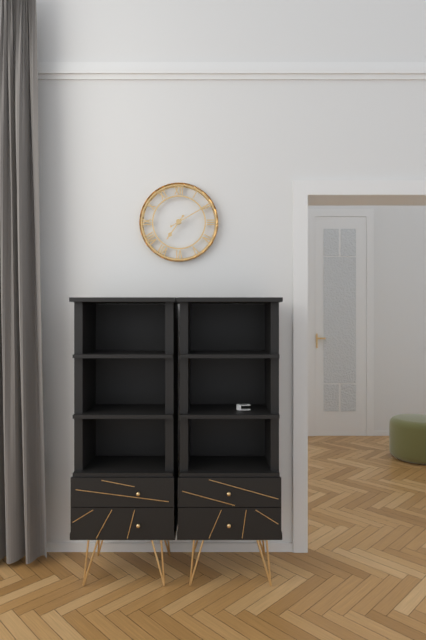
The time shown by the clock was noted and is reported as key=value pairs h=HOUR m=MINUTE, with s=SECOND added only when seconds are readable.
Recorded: h=7 m=10
